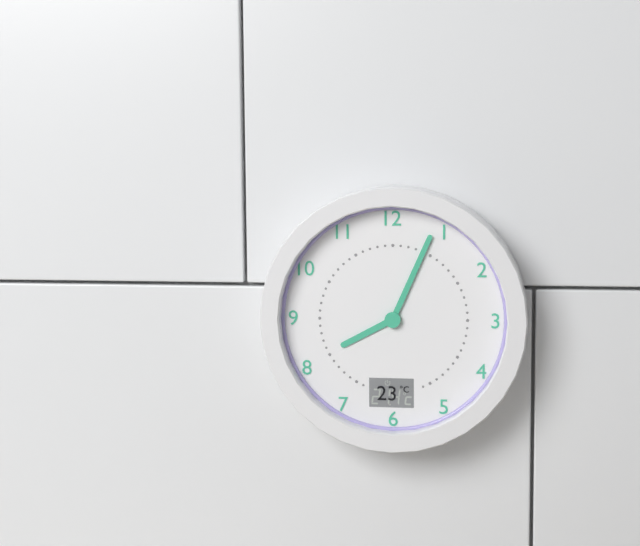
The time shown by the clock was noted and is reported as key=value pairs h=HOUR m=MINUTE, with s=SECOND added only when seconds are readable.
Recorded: h=8 m=4
